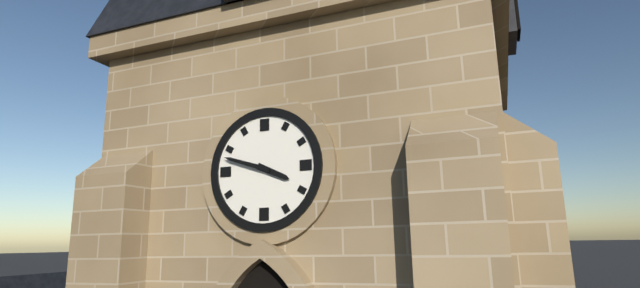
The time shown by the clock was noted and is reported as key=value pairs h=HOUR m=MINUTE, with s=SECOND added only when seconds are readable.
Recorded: h=3 m=48
